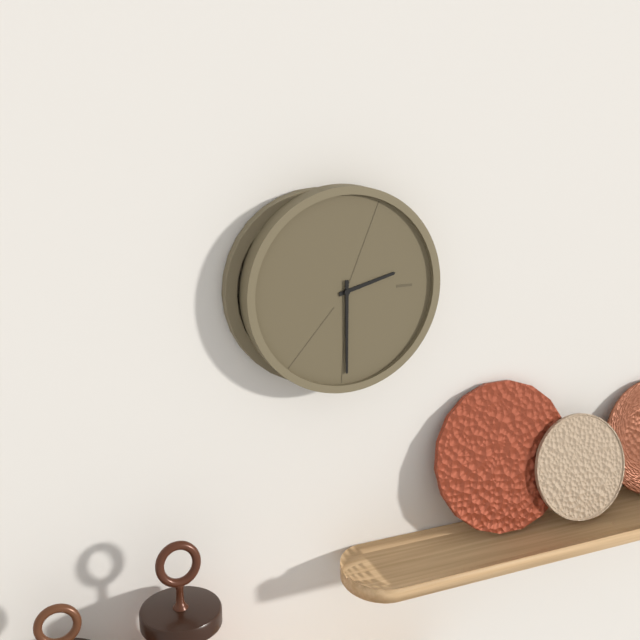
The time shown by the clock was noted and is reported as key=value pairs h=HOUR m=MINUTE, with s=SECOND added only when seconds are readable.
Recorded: h=2 m=30
